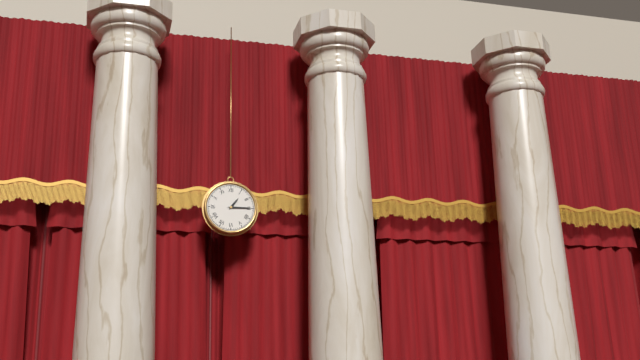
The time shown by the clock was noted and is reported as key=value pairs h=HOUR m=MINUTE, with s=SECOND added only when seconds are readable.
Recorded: h=1 m=15
